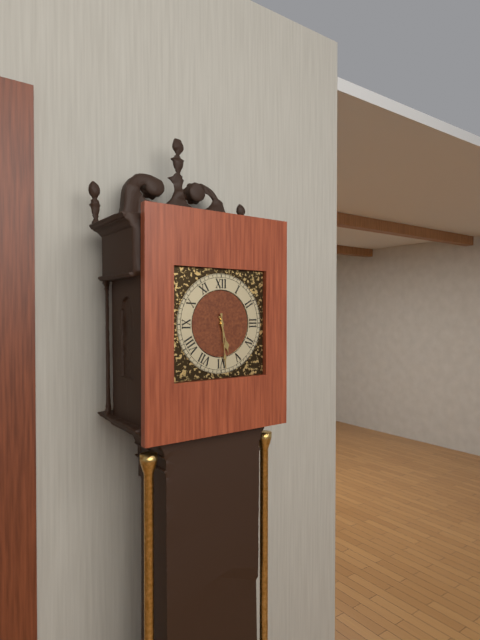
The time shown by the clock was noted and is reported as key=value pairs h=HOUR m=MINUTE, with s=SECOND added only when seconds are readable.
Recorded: h=5 m=29
